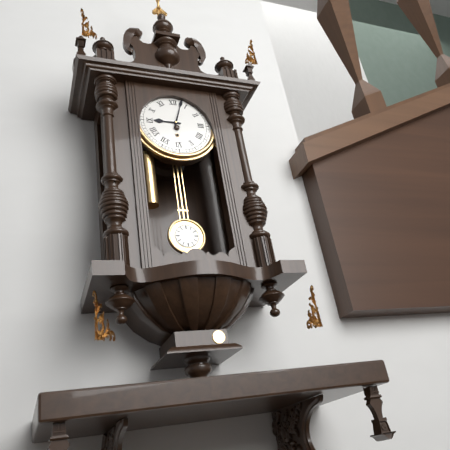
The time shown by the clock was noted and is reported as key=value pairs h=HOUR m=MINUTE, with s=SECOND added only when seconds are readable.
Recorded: h=9 m=3
